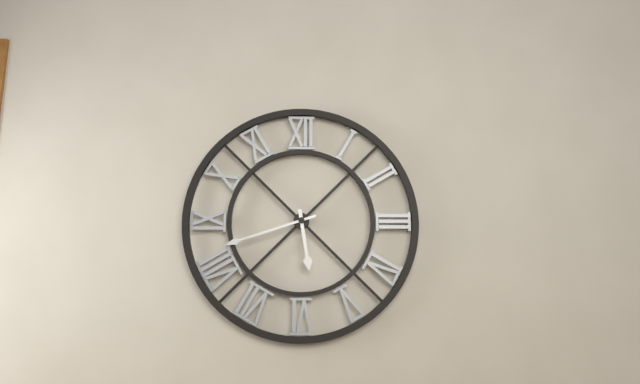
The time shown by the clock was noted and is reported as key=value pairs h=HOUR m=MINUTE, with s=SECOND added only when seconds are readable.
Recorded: h=5 m=42
